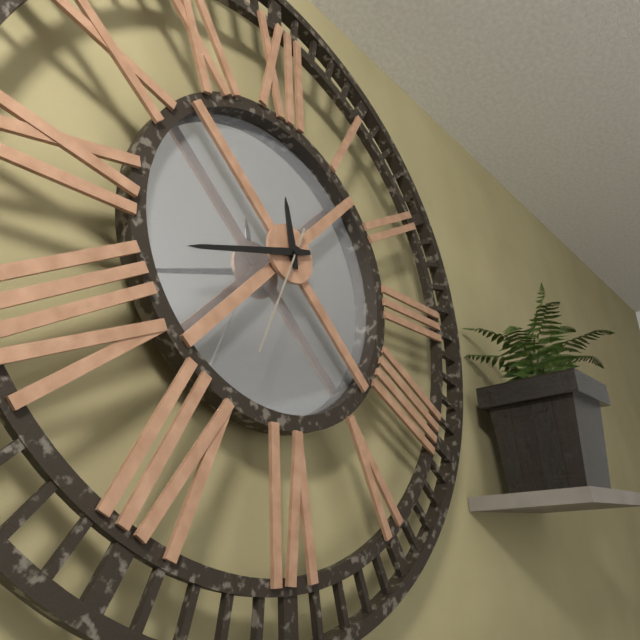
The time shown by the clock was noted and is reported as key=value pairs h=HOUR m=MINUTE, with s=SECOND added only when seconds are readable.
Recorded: h=11 m=42 s=34
